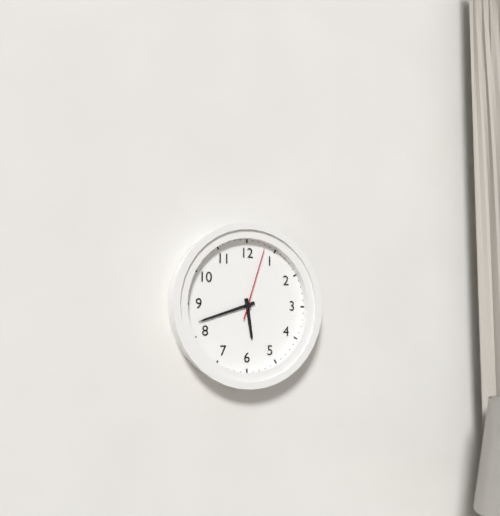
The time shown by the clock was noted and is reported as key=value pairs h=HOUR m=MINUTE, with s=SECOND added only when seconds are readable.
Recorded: h=5 m=42 s=3
